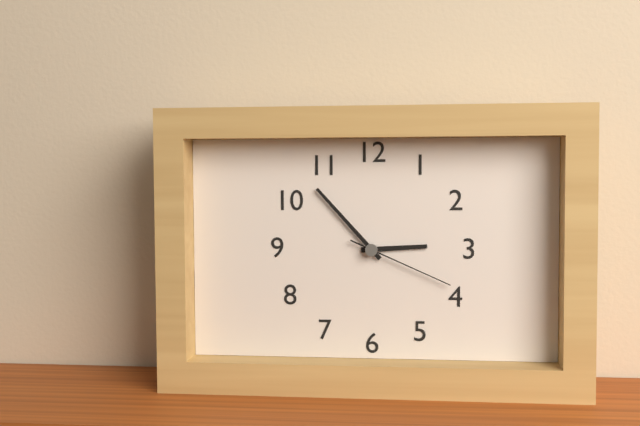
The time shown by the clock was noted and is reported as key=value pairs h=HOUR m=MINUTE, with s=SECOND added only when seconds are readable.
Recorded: h=2 m=53 s=19
